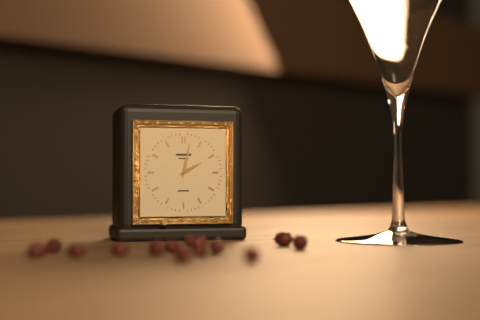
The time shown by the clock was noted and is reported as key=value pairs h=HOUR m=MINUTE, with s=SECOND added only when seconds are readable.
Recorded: h=2 m=2
